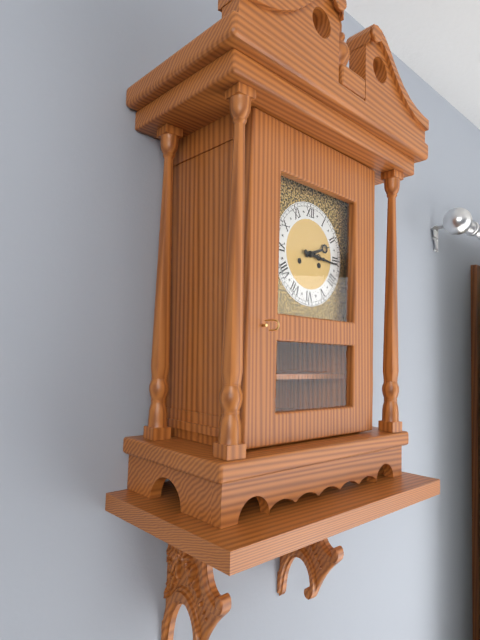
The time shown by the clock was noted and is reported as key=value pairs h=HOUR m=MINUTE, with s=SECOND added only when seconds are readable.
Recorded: h=2 m=16
